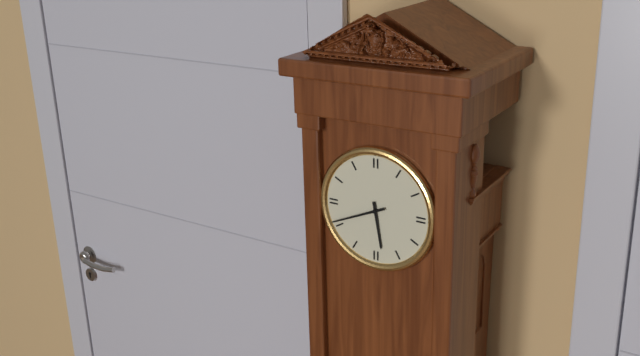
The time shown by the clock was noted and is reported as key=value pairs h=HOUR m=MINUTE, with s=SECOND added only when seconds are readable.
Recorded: h=5 m=41
